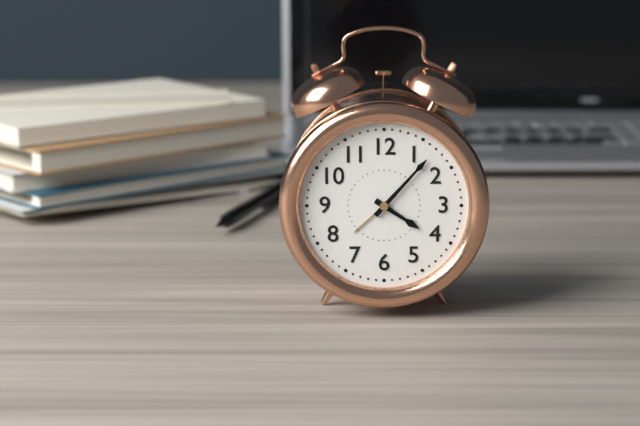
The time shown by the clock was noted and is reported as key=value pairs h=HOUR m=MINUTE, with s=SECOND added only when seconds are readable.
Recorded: h=4 m=7
